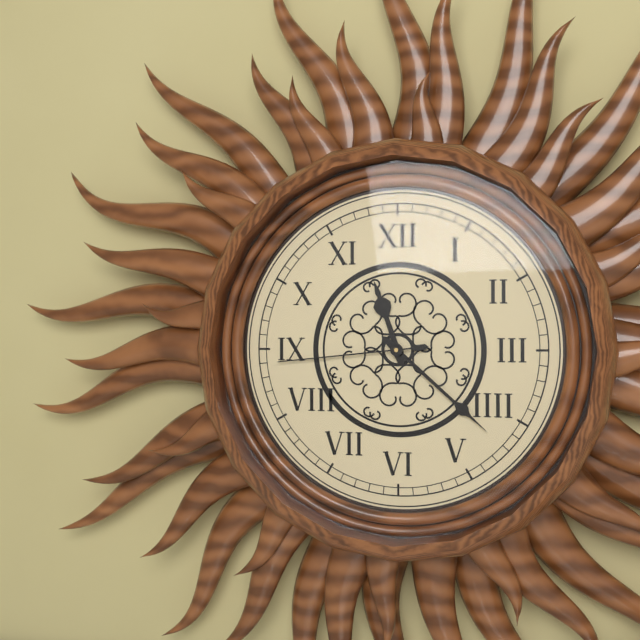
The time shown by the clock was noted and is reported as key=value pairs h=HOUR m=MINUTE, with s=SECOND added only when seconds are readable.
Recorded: h=11 m=22 s=44
